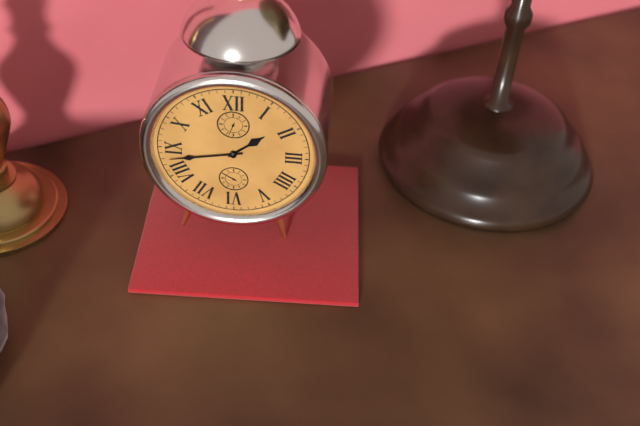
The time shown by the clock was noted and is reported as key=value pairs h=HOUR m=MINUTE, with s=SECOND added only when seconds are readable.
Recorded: h=1 m=43
